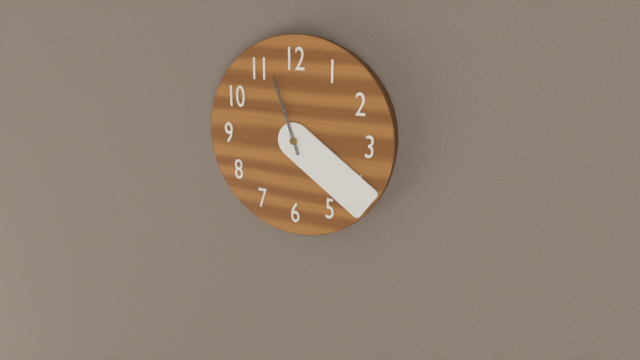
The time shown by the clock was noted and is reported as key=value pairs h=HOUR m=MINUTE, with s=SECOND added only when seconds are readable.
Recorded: h=11 m=21
